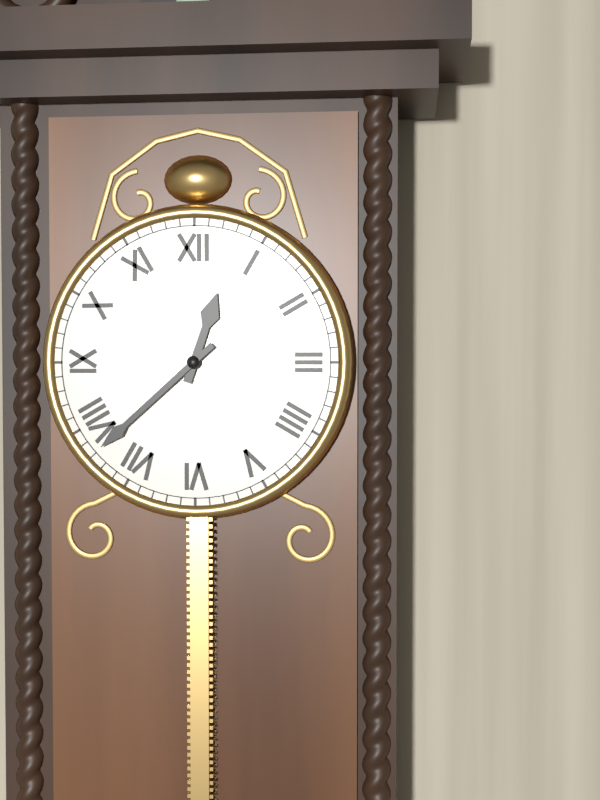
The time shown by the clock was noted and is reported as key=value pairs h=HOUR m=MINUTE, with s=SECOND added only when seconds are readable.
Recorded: h=12 m=38
